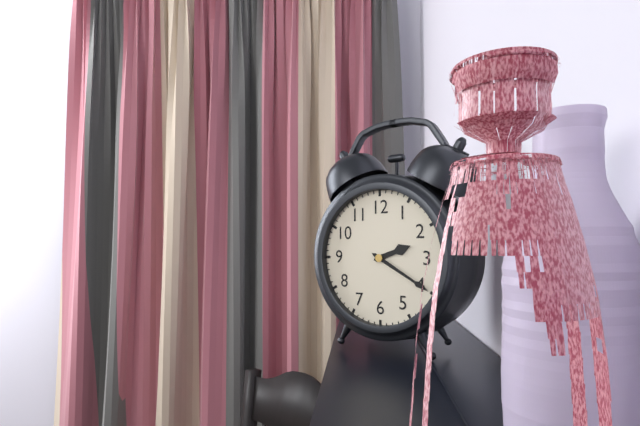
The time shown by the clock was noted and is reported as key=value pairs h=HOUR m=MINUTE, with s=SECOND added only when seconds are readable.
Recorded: h=2 m=20
